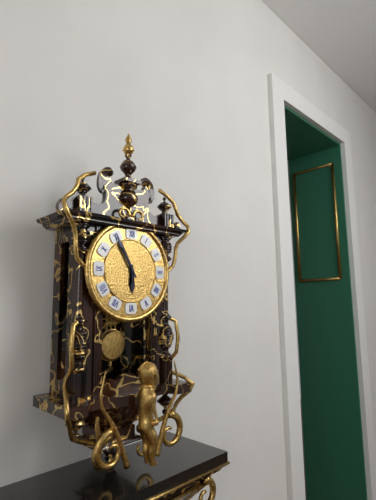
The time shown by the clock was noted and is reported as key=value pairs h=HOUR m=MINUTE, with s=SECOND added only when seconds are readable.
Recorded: h=5 m=55
